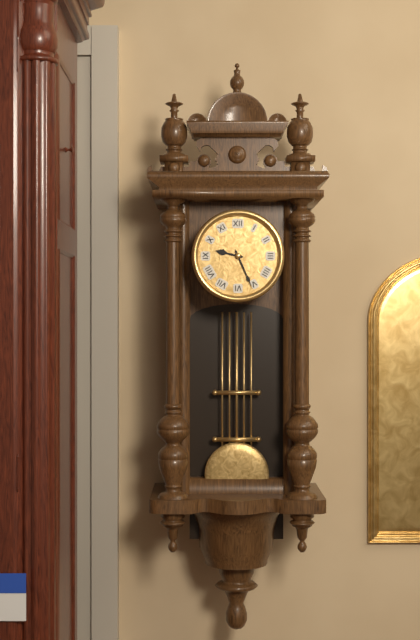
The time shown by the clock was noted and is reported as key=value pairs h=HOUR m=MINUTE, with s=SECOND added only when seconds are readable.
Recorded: h=9 m=26
